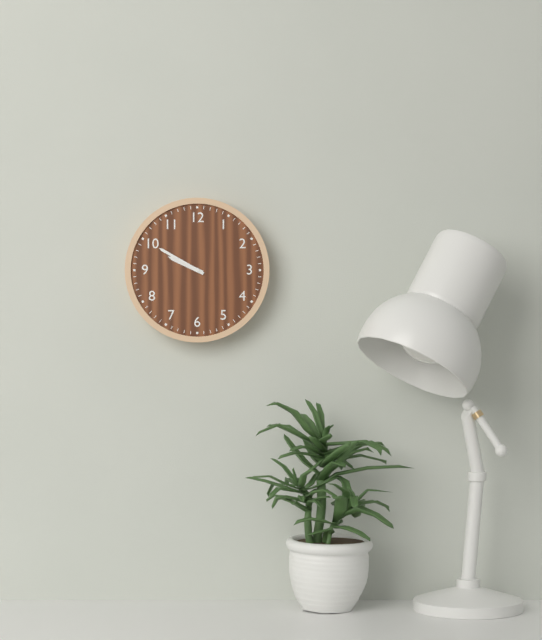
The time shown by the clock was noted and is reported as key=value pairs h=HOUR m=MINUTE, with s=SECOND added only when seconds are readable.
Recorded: h=9 m=50
